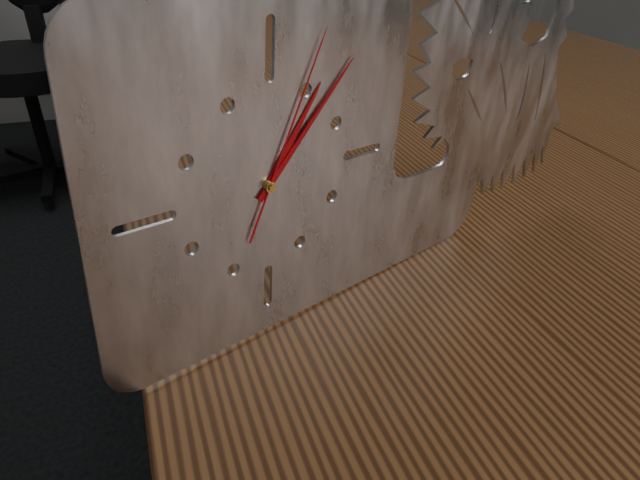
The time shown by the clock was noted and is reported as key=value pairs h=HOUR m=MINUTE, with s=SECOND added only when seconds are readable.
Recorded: h=1 m=7 s=4
